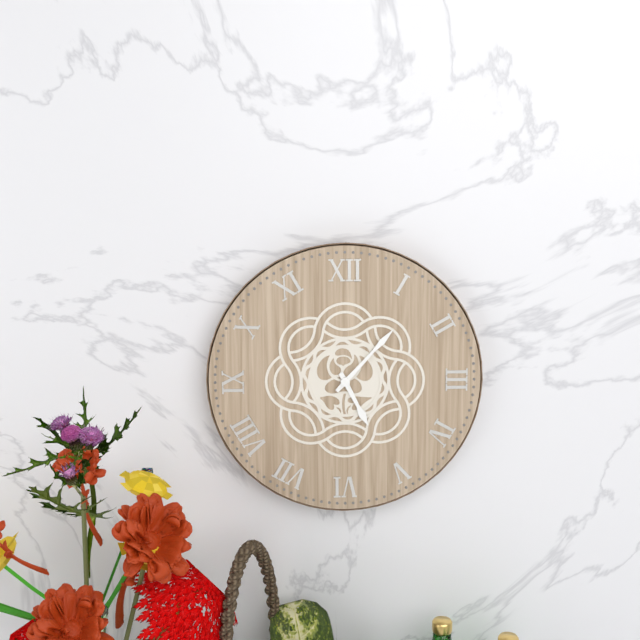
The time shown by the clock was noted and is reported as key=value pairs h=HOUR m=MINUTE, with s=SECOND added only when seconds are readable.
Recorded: h=5 m=7
